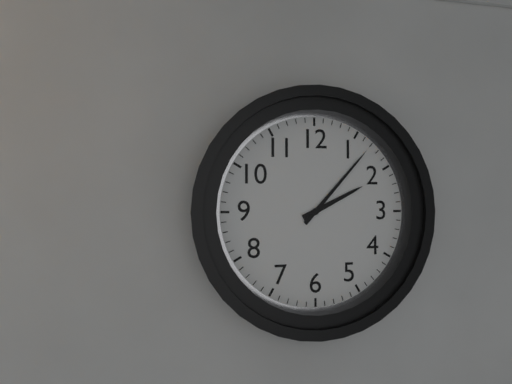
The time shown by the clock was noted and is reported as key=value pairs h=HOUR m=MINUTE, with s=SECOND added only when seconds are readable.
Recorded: h=2 m=7
